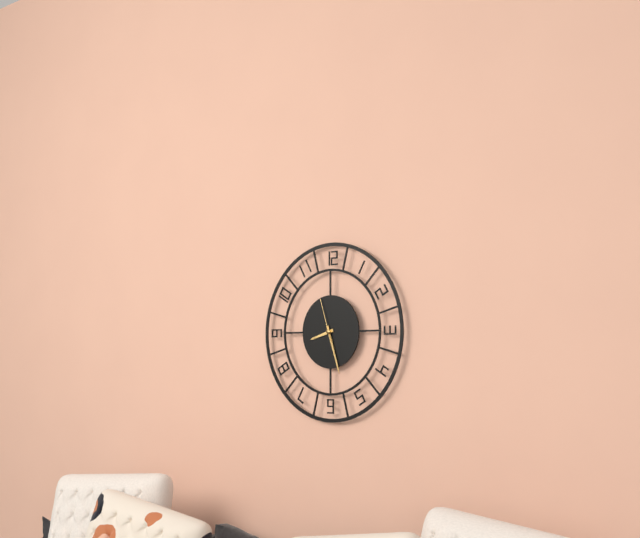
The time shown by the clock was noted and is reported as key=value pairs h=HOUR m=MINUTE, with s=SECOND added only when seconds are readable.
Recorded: h=8 m=27
